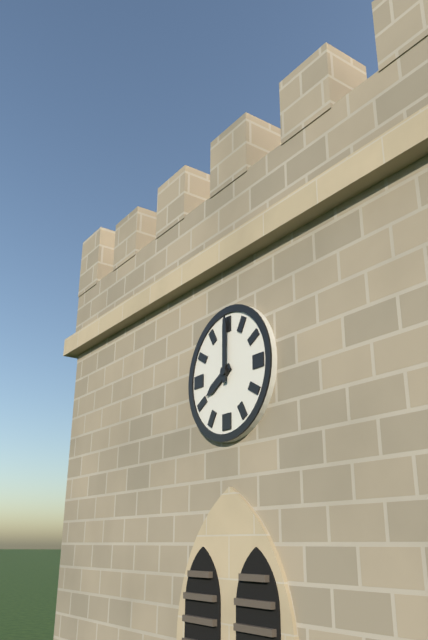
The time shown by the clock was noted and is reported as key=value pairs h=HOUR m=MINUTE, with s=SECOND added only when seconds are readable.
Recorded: h=8 m=0
